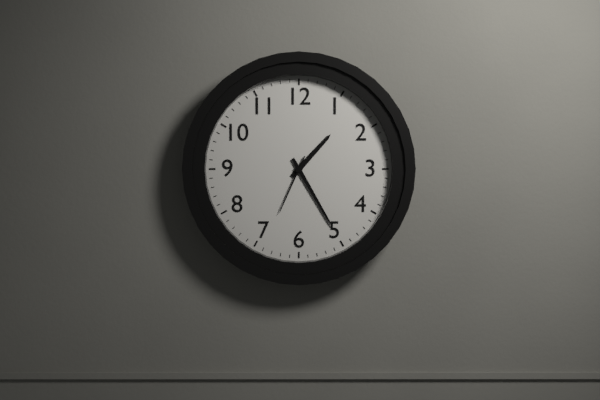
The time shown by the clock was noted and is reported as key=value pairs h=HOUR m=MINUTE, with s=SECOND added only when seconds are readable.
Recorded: h=1 m=25 s=34
